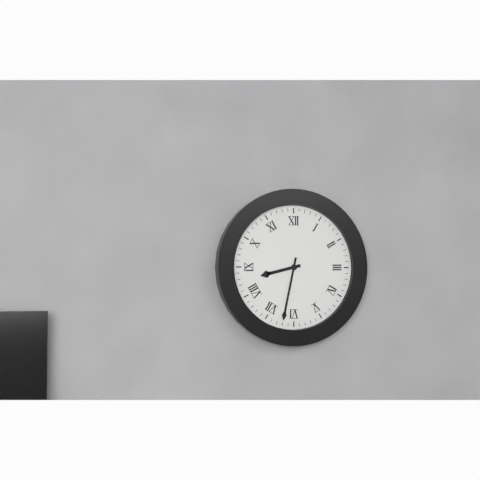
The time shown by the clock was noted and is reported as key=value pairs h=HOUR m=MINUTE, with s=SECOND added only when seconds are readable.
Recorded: h=8 m=32
